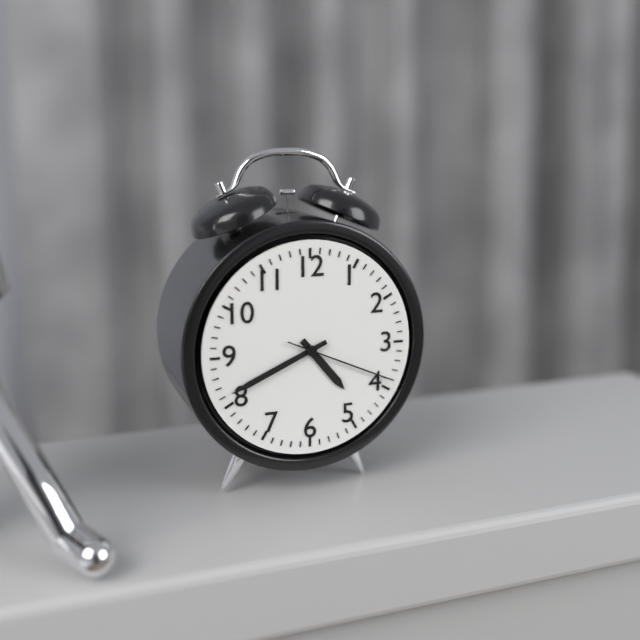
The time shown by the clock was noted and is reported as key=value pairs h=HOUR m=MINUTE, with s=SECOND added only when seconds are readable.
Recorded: h=4 m=41 s=19
